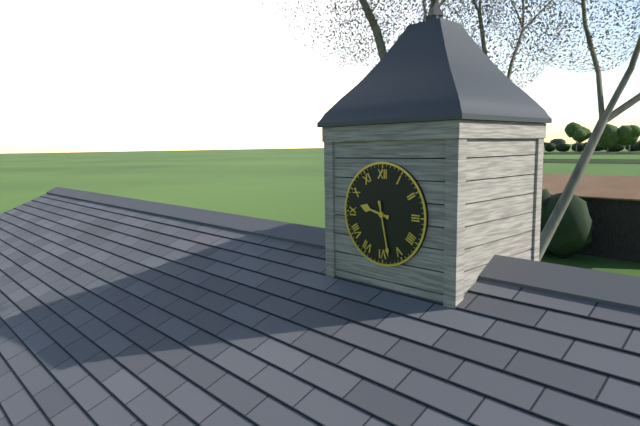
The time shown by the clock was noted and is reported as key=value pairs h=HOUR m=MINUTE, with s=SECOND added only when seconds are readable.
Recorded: h=9 m=28
